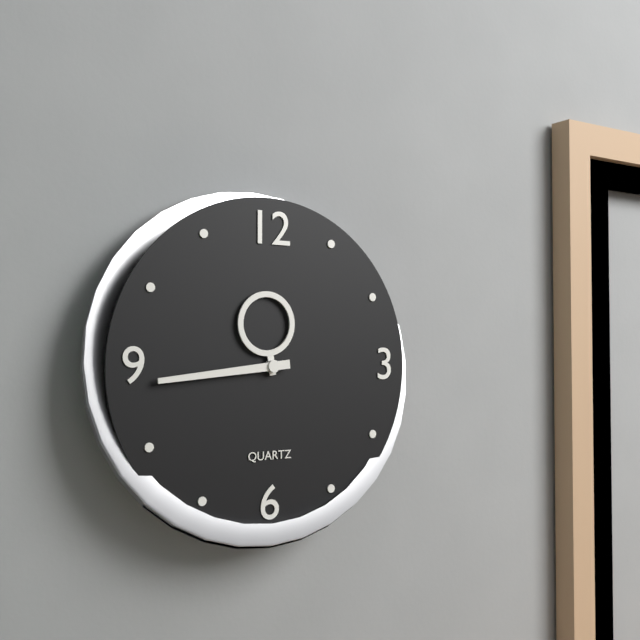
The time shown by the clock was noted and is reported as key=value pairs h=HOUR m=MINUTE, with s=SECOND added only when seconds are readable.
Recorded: h=11 m=44
